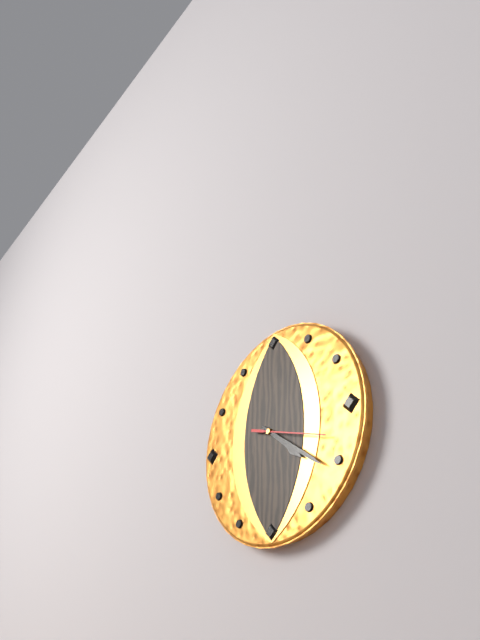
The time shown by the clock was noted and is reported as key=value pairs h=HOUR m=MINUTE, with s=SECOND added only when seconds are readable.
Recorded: h=4 m=21
